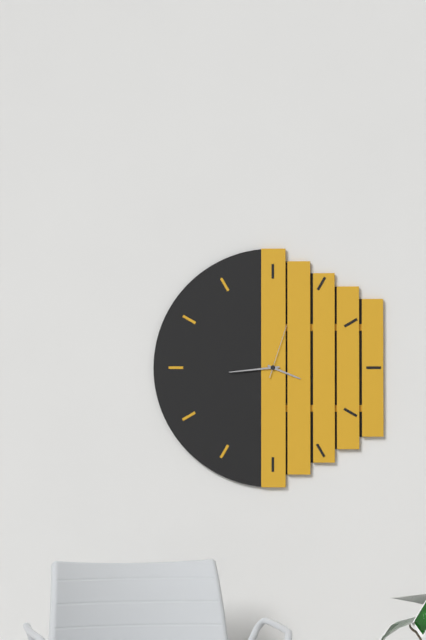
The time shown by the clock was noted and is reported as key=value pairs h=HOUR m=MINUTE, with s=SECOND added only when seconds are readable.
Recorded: h=3 m=44 s=3
